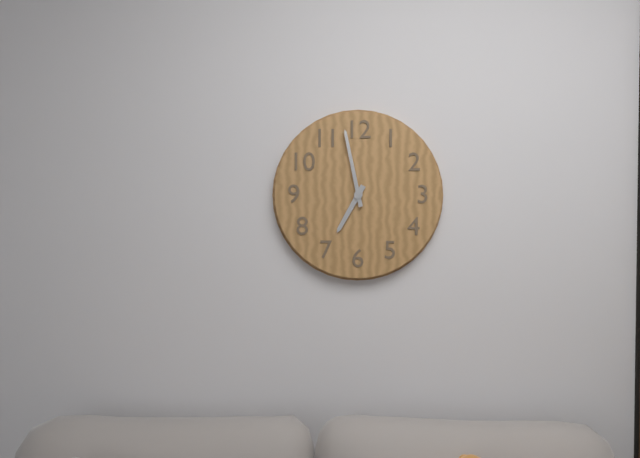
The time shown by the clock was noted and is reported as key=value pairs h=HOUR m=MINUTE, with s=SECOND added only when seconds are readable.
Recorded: h=6 m=58
